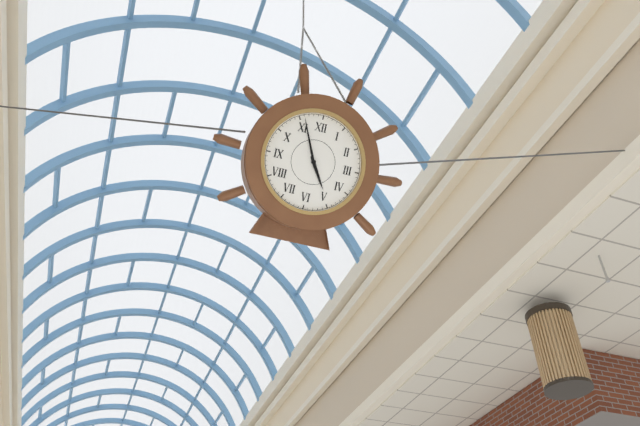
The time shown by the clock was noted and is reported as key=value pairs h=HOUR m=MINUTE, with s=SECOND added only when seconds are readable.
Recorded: h=4 m=56
